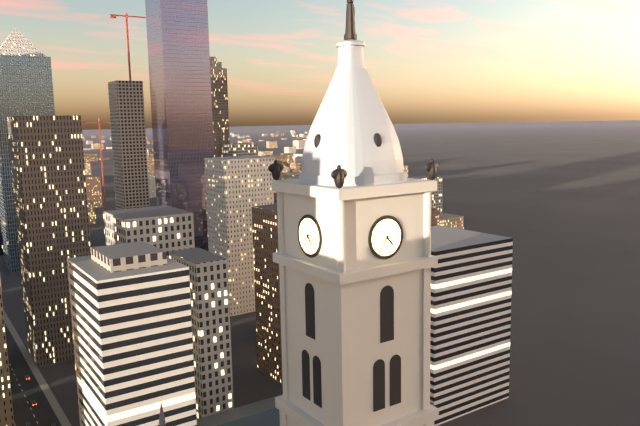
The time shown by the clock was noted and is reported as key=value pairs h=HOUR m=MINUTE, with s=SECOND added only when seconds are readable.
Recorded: h=4 m=36
